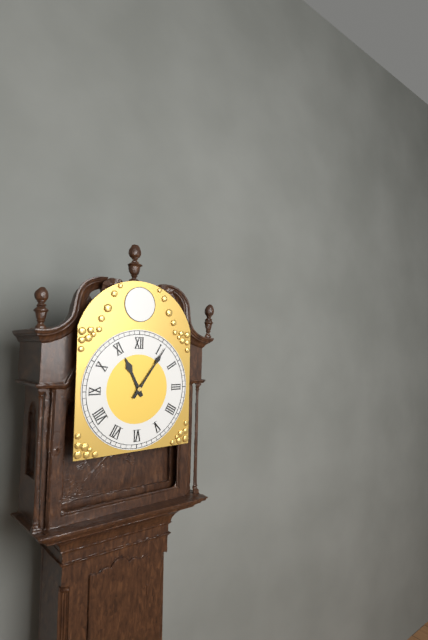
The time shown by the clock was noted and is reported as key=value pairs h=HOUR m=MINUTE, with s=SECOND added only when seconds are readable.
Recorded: h=11 m=6
